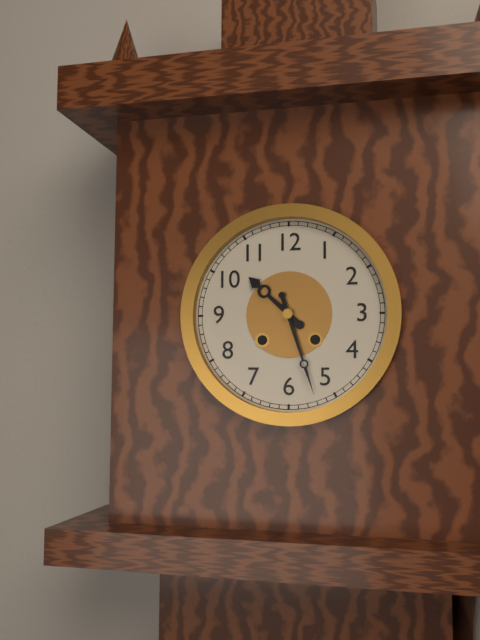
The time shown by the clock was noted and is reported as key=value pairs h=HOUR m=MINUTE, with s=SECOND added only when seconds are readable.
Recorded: h=10 m=27
